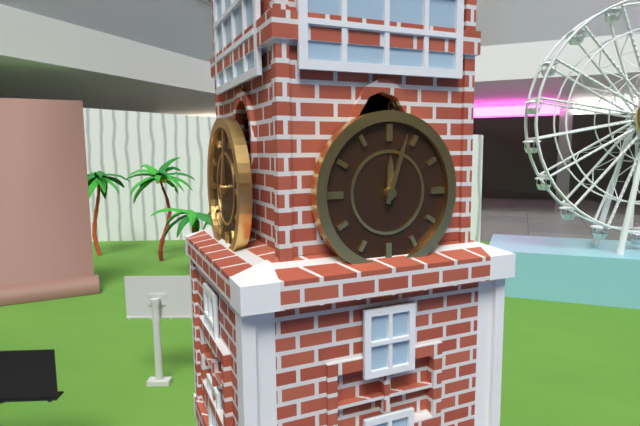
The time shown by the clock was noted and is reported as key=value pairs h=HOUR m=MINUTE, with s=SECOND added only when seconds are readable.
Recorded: h=12 m=3
